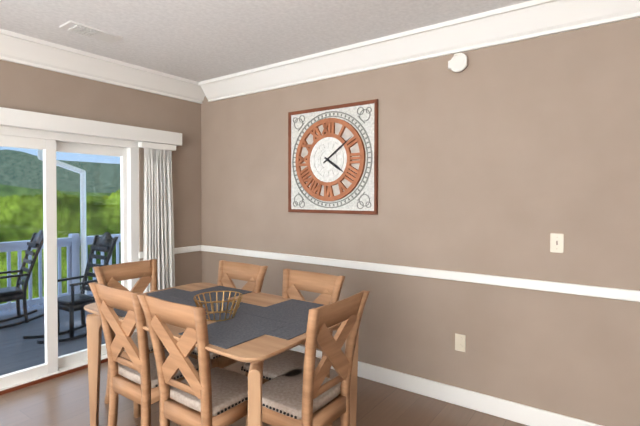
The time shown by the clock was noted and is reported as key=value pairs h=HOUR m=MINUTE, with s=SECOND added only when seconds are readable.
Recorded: h=4 m=9
